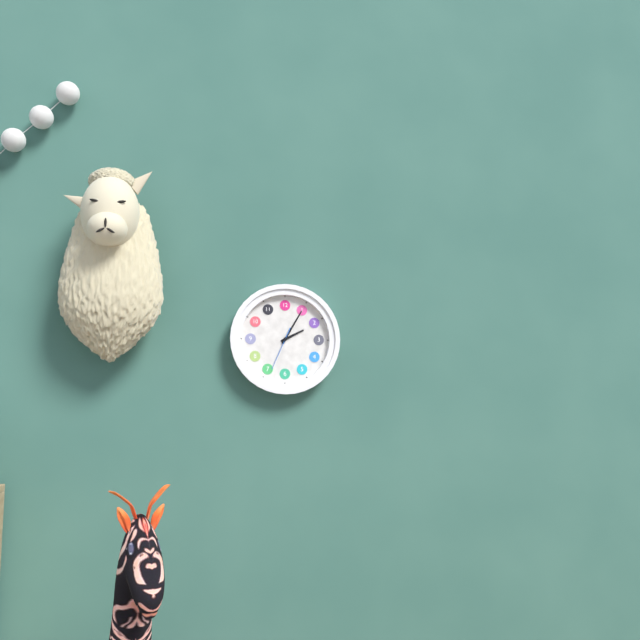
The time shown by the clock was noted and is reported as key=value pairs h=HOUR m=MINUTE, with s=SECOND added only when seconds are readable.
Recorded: h=2 m=5
